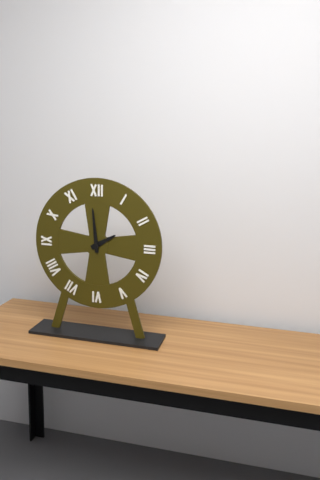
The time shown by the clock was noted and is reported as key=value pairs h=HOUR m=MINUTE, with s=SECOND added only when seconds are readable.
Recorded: h=1 m=59
